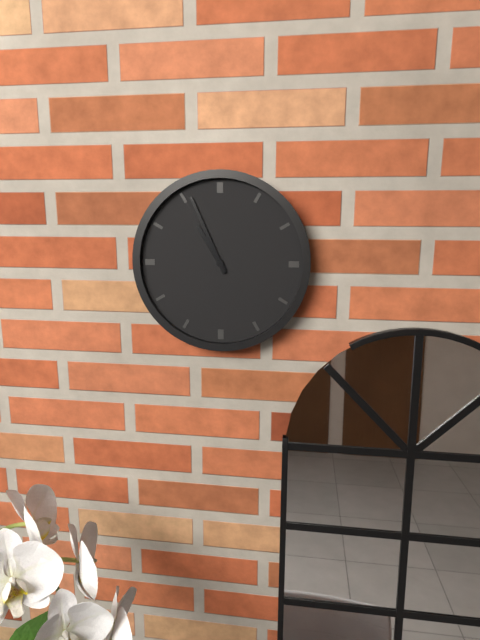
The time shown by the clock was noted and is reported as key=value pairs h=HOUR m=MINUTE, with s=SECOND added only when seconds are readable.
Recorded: h=10 m=56
